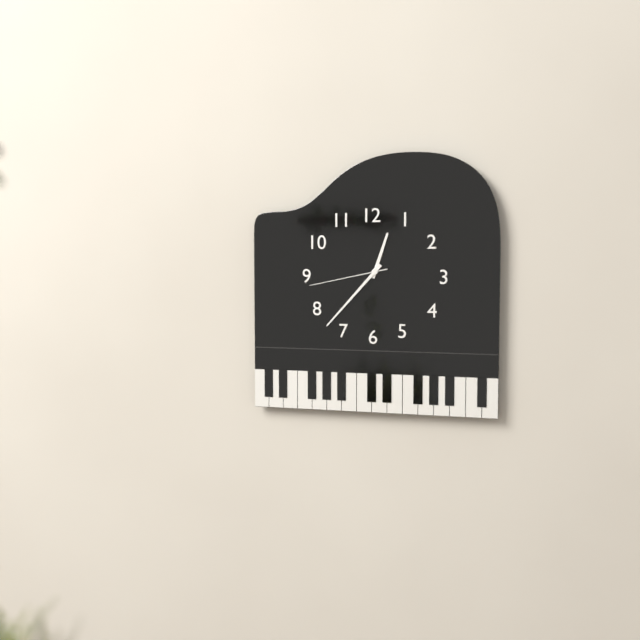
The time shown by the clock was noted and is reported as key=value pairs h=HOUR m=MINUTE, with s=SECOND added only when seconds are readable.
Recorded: h=12 m=37 s=43
